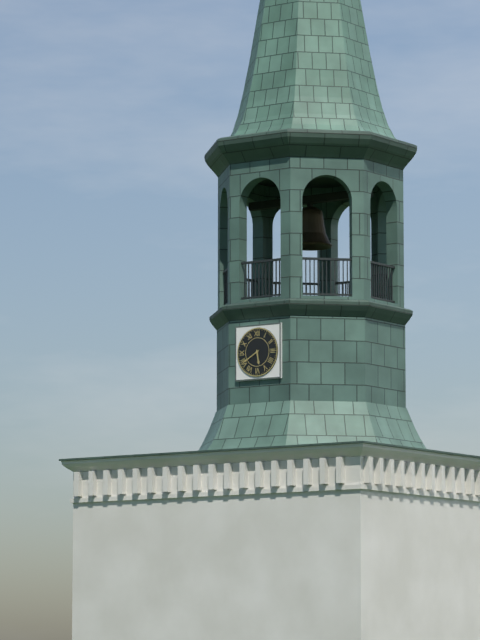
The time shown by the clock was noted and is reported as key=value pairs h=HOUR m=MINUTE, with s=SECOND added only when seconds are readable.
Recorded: h=5 m=40
